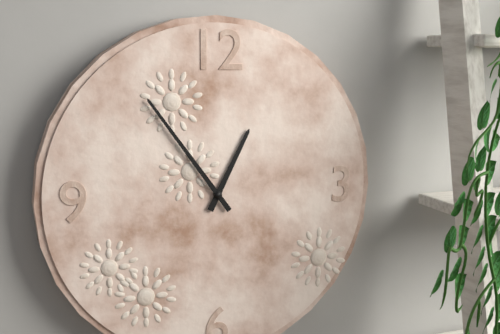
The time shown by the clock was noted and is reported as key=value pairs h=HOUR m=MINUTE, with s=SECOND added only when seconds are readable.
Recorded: h=12 m=54
